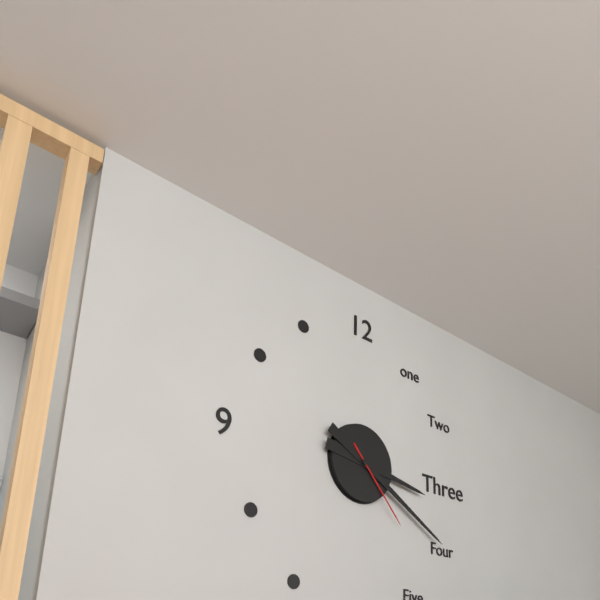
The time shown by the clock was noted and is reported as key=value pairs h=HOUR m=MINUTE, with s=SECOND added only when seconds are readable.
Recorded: h=3 m=20 s=23
